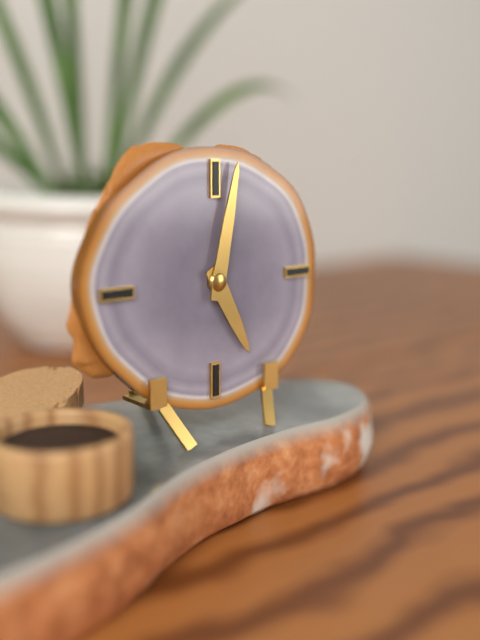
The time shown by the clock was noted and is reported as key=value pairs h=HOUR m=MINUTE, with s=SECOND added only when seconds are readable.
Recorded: h=5 m=2
